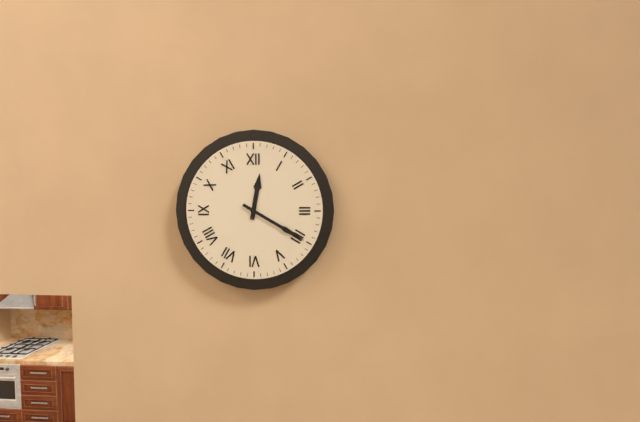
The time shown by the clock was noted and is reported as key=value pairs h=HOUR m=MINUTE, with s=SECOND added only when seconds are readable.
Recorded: h=12 m=20
